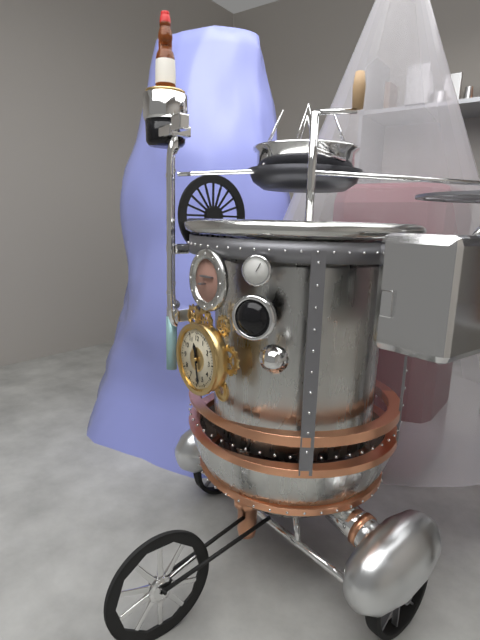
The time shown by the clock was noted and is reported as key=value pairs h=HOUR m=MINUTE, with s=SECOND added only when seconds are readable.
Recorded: h=11 m=28
